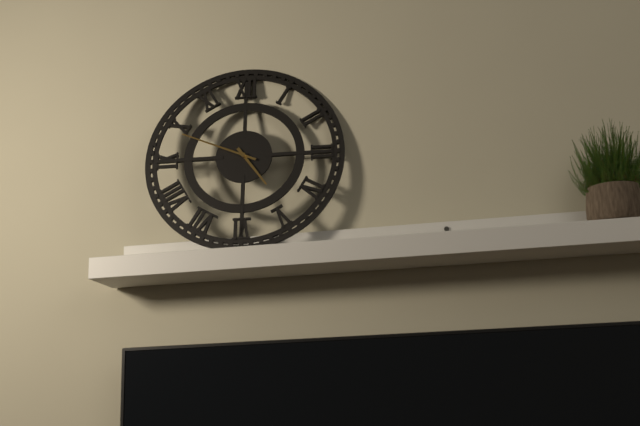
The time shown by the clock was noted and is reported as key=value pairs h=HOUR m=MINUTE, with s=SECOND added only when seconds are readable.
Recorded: h=4 m=49
